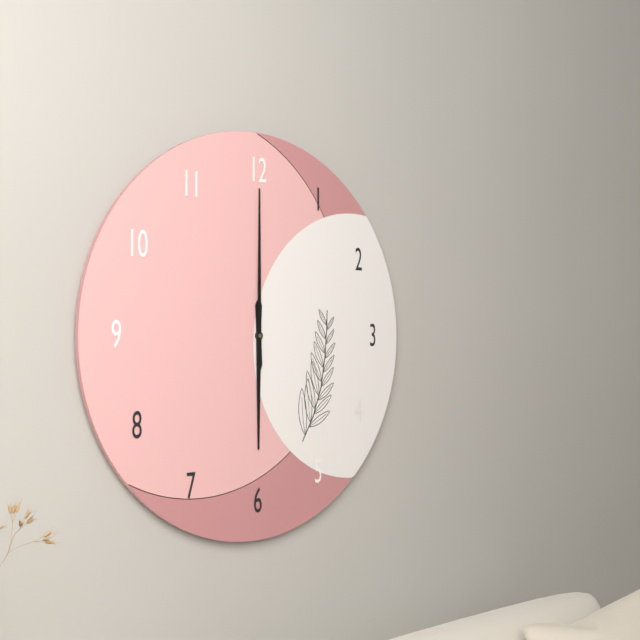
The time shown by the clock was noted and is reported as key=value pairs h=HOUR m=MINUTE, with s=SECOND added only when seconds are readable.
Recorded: h=6 m=0
